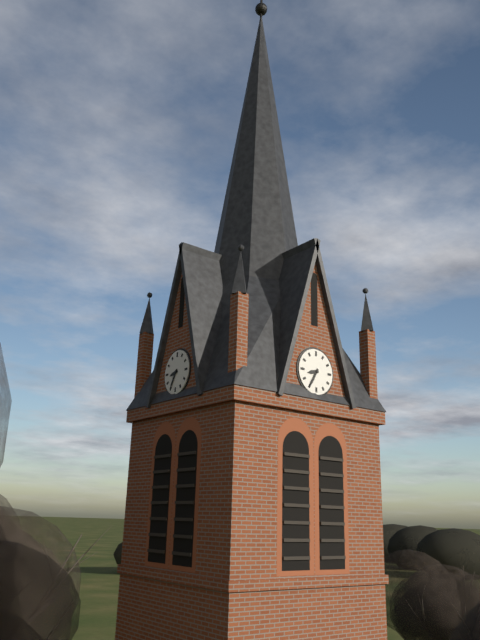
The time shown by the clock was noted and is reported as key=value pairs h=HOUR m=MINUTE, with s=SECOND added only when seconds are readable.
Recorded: h=8 m=35
